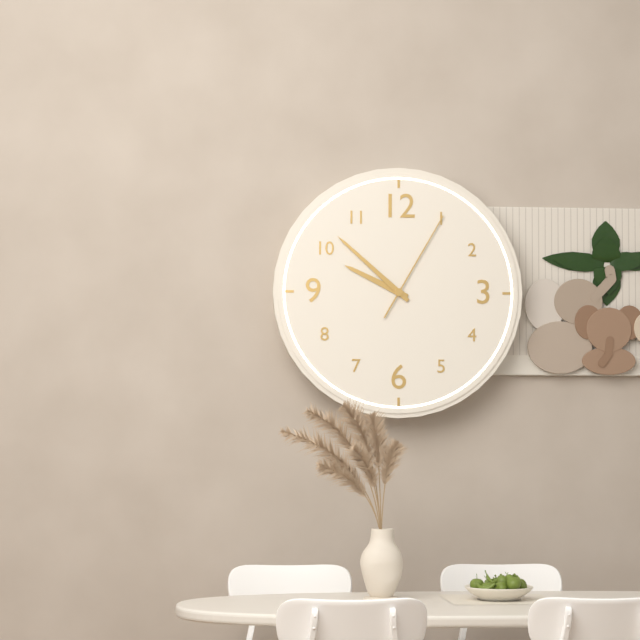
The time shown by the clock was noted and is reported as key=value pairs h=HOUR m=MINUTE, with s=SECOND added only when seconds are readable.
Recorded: h=9 m=52 s=5
